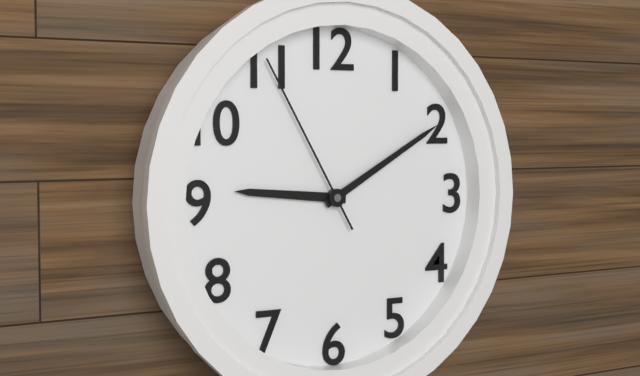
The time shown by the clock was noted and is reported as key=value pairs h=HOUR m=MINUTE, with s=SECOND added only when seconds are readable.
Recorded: h=9 m=10 s=55
